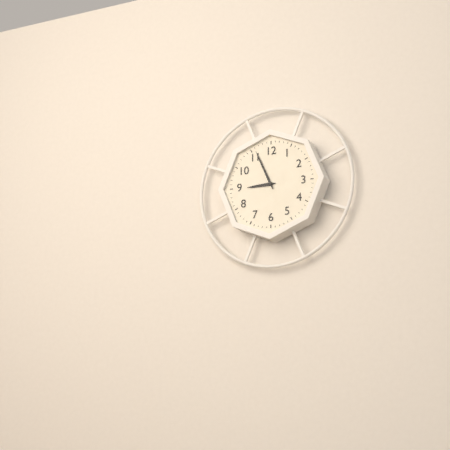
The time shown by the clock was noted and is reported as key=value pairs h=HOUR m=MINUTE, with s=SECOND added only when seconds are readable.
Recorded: h=8 m=56
